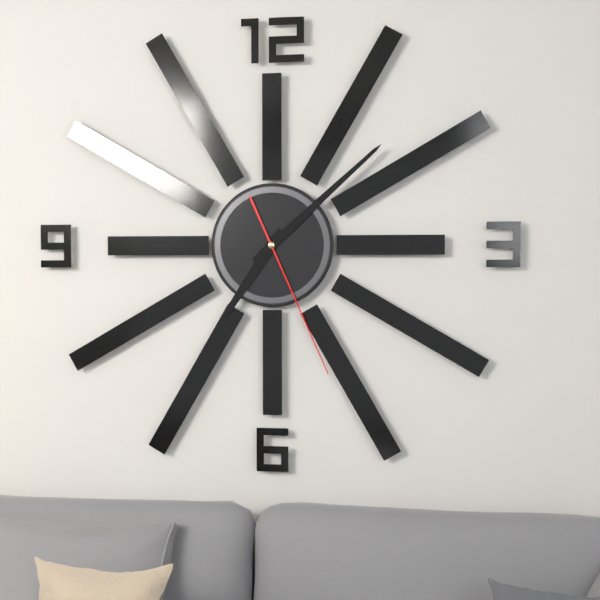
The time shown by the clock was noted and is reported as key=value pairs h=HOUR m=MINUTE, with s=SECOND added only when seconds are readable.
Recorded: h=7 m=8 s=26
